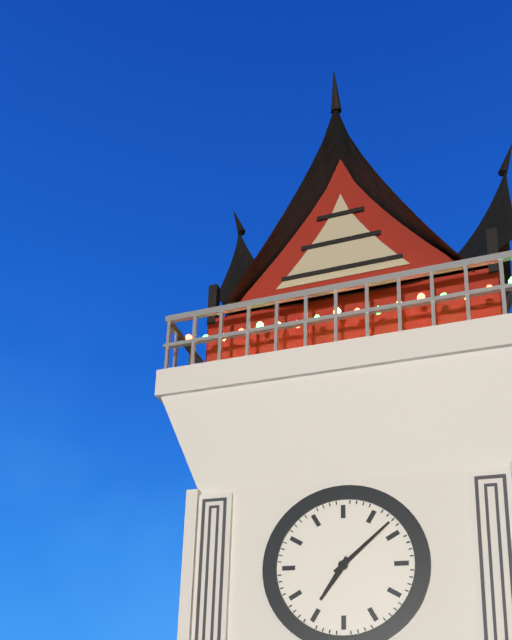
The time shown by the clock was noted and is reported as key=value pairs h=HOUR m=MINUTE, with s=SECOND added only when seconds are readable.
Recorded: h=7 m=8
